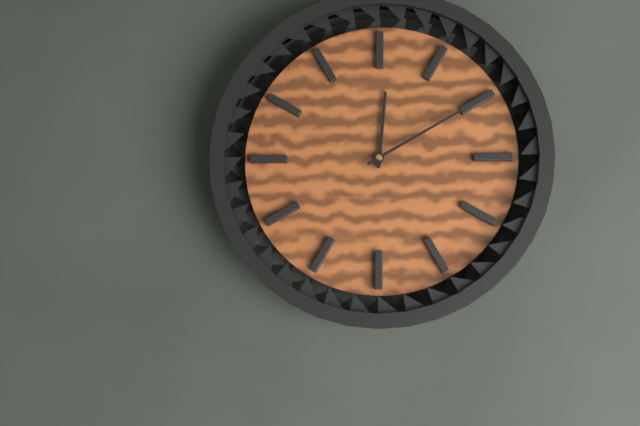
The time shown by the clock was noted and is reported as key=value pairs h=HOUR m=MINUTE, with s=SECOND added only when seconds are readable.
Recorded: h=12 m=10
